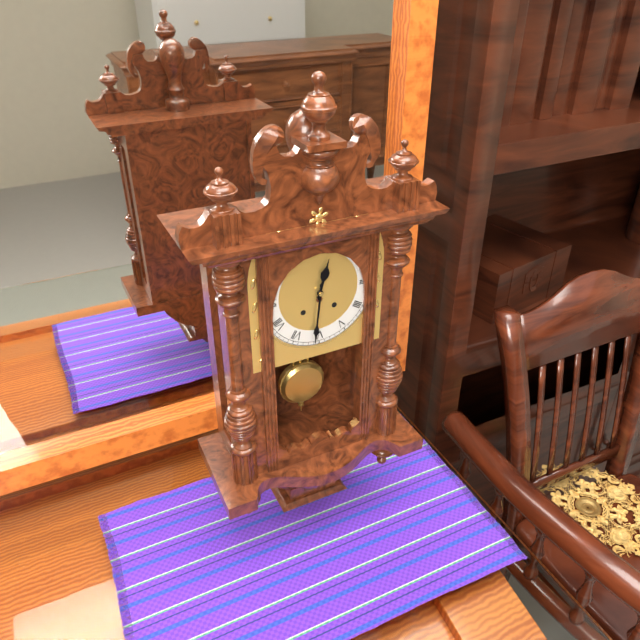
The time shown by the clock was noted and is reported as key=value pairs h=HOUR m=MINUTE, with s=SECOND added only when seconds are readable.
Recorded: h=12 m=31
